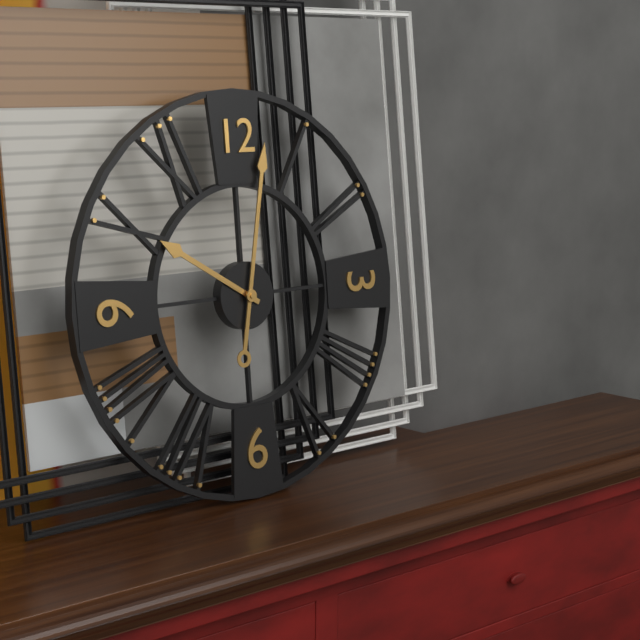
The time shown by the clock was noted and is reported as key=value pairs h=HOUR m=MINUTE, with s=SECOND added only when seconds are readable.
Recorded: h=10 m=2
